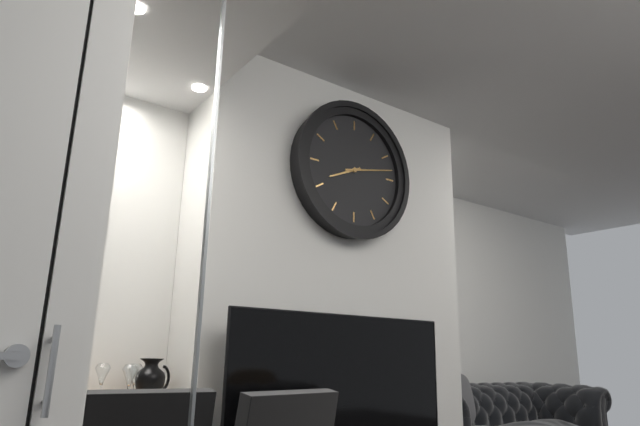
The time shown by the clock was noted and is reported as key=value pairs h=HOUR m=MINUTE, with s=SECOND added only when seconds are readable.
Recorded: h=8 m=13
